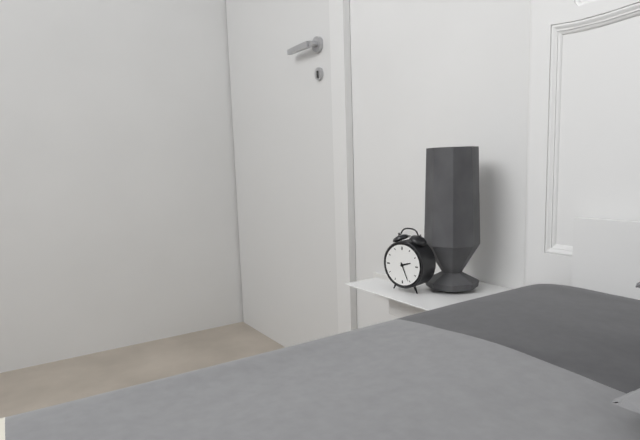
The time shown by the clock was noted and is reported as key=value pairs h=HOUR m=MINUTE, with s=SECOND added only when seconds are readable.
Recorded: h=2 m=26
